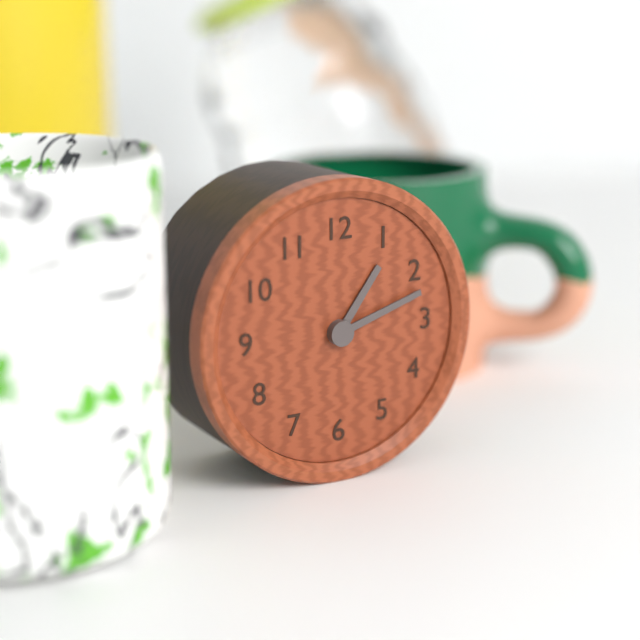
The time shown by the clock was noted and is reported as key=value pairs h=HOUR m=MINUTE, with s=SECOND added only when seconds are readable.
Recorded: h=1 m=12
